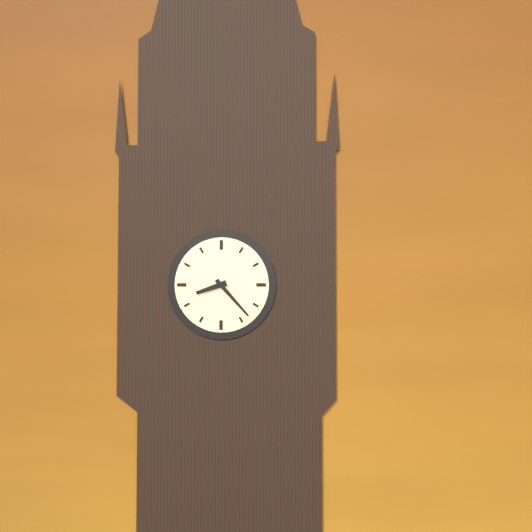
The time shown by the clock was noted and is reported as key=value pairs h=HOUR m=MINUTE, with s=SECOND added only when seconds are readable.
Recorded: h=8 m=23
